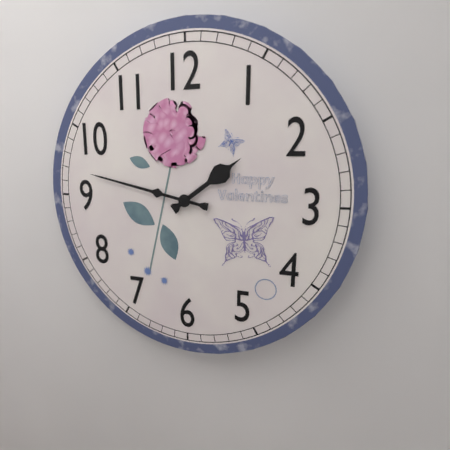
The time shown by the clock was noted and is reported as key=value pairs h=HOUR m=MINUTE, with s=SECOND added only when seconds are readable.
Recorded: h=1 m=47
